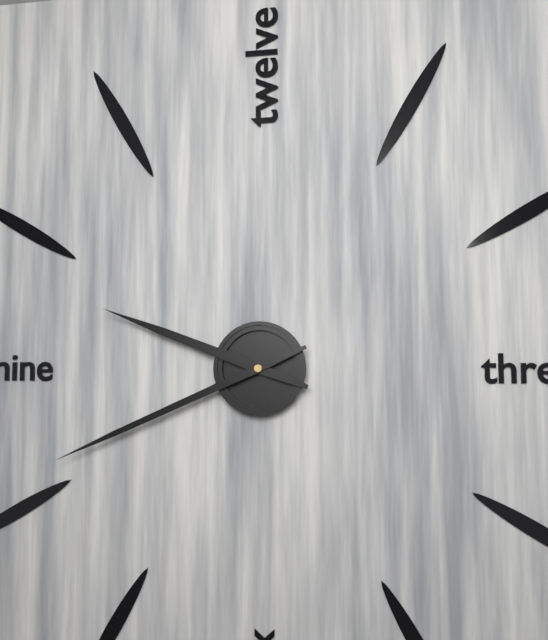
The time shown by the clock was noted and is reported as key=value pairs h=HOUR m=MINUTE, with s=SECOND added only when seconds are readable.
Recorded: h=9 m=41
